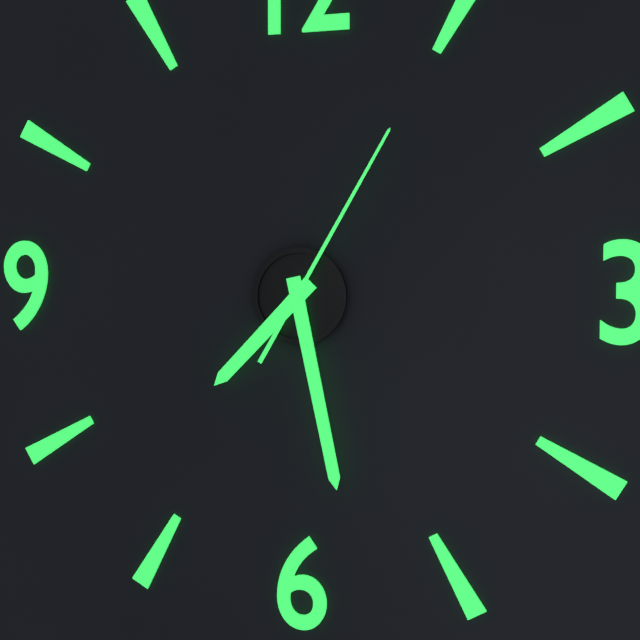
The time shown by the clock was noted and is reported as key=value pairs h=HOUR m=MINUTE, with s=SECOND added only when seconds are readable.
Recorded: h=7 m=28 s=5
